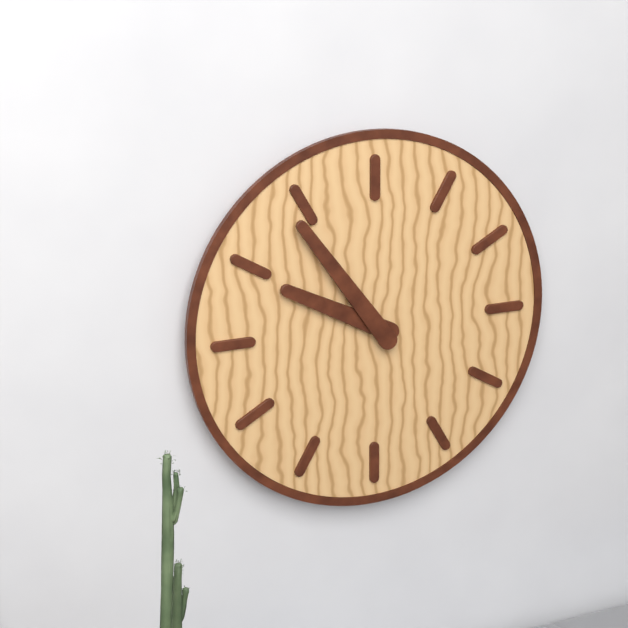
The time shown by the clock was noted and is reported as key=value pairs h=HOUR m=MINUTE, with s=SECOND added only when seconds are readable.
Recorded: h=9 m=54
